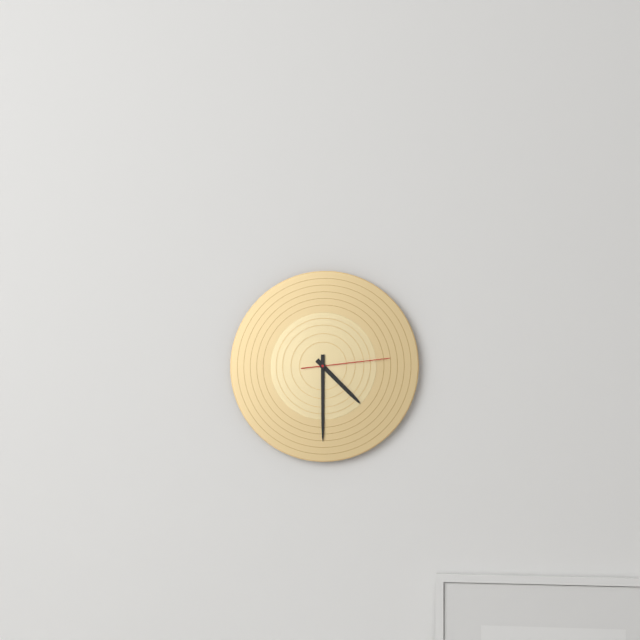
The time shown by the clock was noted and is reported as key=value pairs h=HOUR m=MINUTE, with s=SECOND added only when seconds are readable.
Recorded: h=4 m=30 s=14
